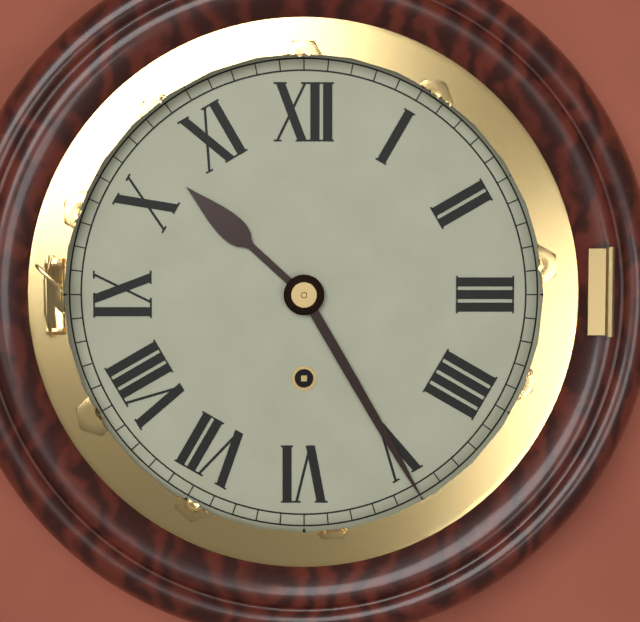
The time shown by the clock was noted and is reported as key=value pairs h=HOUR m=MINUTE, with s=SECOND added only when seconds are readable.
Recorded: h=10 m=25
